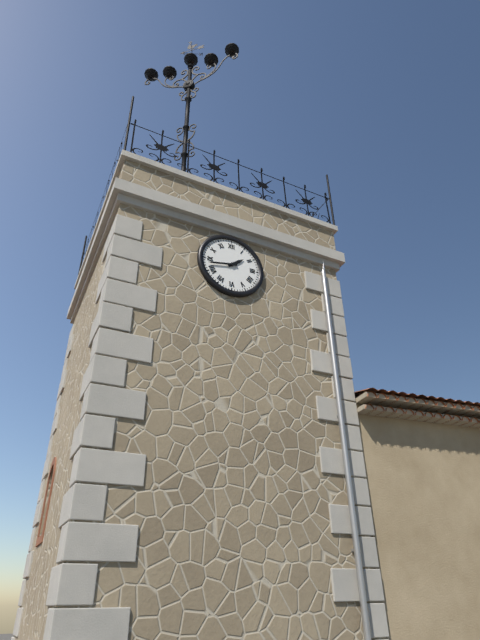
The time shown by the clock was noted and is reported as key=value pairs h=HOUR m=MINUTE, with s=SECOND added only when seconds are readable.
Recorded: h=1 m=43
